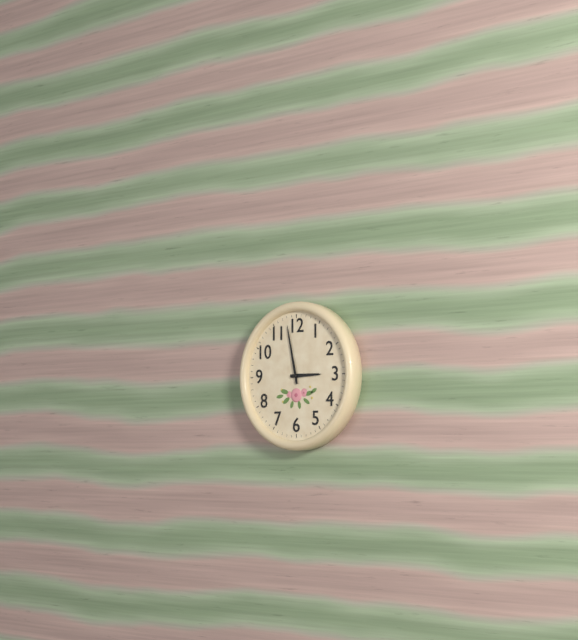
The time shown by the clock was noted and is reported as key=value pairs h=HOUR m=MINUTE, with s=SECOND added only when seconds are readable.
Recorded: h=2 m=58
